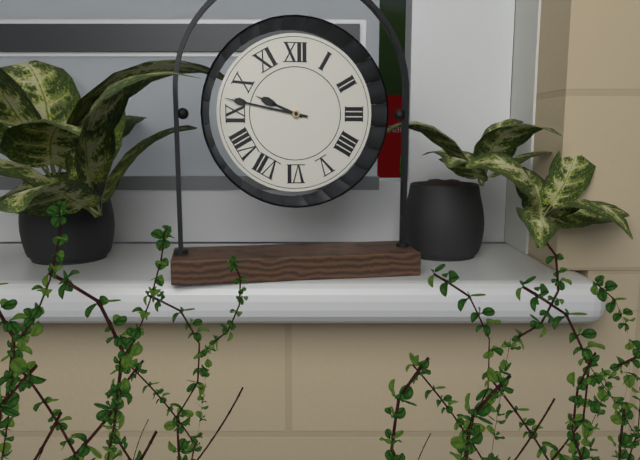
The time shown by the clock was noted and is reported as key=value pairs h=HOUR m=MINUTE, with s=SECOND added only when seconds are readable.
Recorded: h=9 m=47
